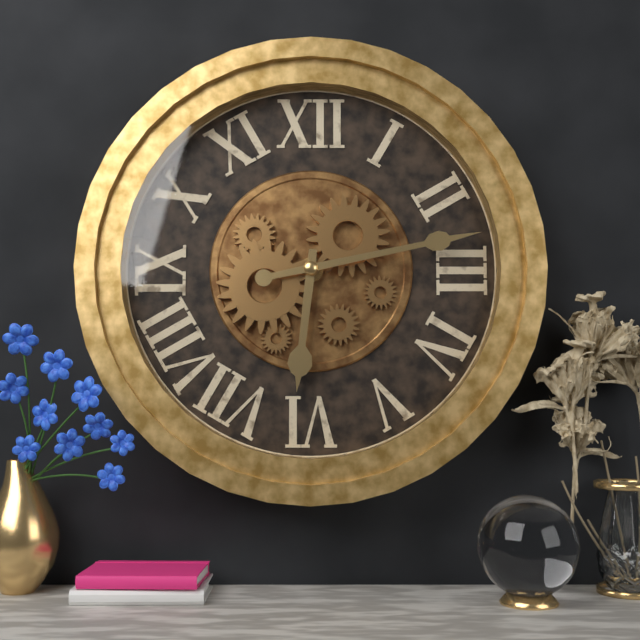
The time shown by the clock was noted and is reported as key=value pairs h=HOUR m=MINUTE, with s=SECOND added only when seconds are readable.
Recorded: h=6 m=13
